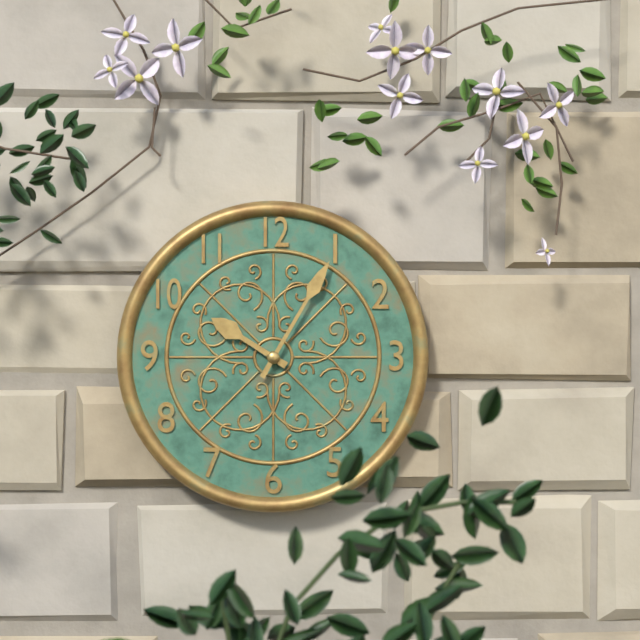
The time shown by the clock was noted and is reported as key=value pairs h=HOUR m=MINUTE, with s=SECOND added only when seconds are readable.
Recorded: h=10 m=5
